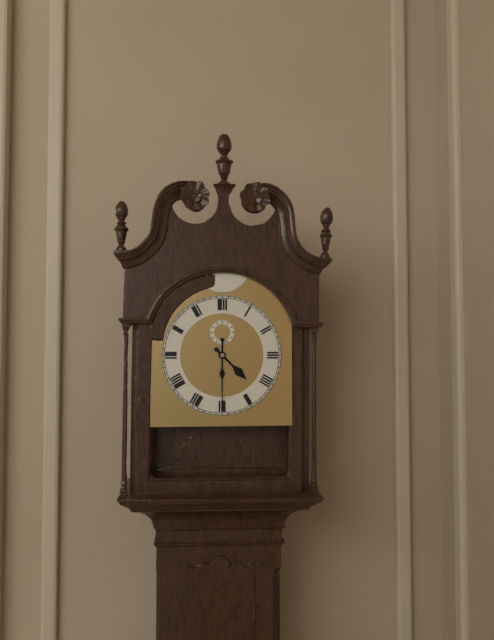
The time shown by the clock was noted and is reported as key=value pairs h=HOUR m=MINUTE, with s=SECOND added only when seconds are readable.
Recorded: h=4 m=30
